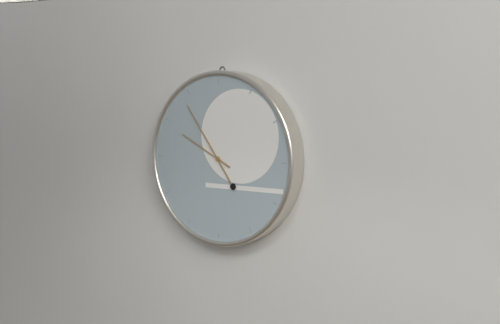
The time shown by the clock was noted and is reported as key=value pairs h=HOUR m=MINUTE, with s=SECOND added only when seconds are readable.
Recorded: h=9 m=54
